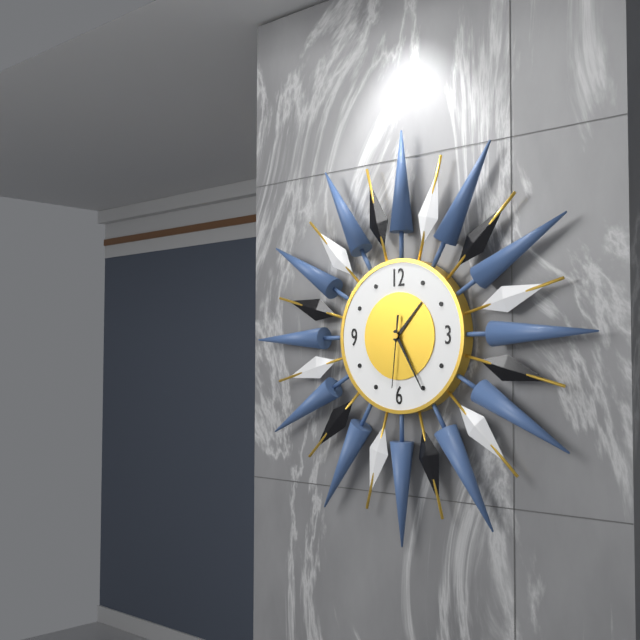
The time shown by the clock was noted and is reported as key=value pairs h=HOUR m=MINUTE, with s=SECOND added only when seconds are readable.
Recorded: h=1 m=25 s=31
